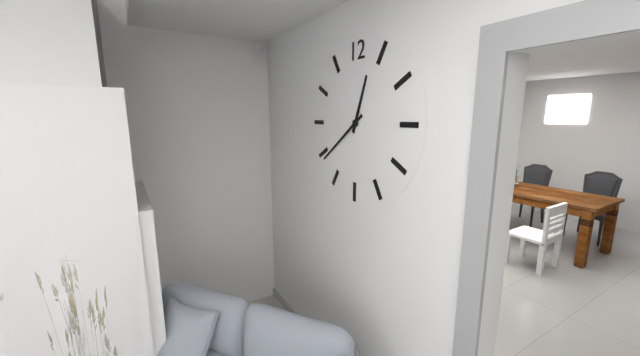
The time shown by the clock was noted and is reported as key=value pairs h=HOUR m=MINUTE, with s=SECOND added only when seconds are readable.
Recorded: h=12 m=39
